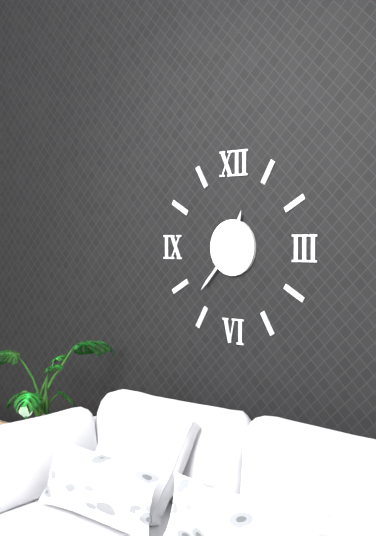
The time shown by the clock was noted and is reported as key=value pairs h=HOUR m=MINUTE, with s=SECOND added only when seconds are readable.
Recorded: h=12 m=37
